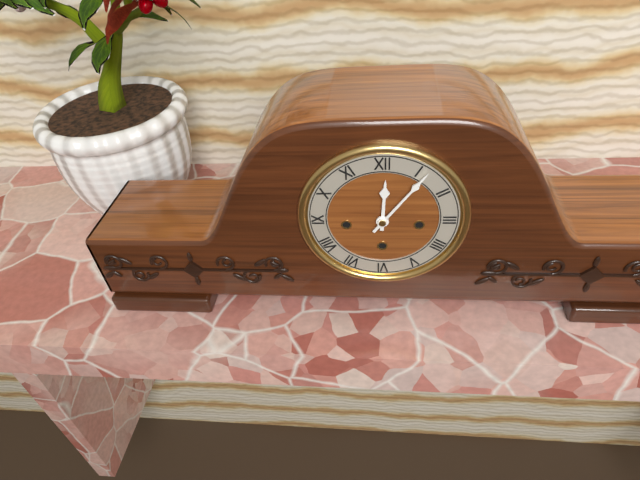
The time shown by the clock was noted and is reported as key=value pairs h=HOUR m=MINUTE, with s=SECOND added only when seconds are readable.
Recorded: h=12 m=6
